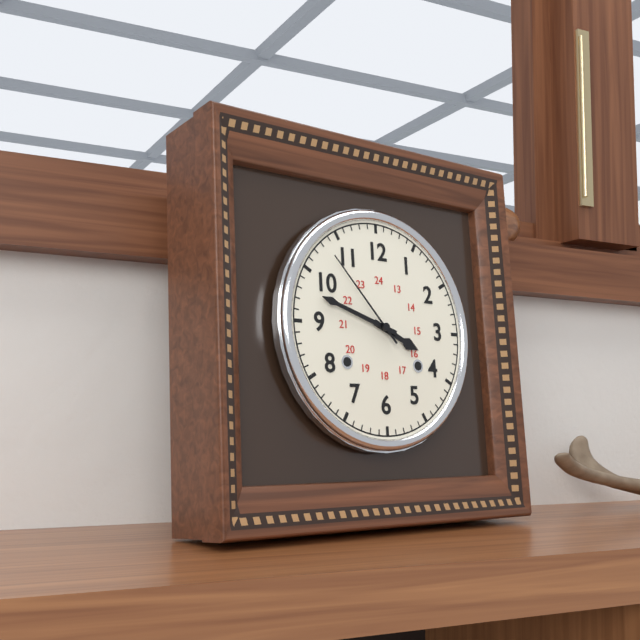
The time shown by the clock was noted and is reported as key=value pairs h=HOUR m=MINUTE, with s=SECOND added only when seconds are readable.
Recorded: h=3 m=48 s=53
